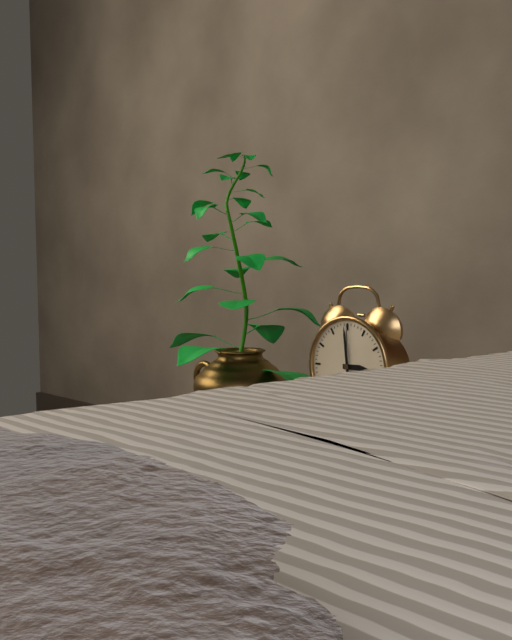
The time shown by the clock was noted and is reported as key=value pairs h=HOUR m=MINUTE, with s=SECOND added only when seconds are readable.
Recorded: h=2 m=59 s=0
